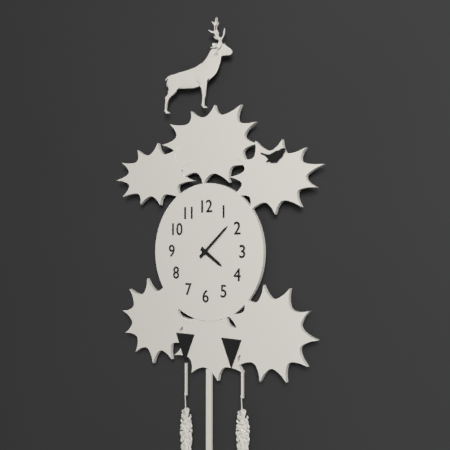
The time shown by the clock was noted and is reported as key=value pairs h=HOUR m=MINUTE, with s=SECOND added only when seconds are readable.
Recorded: h=4 m=8
